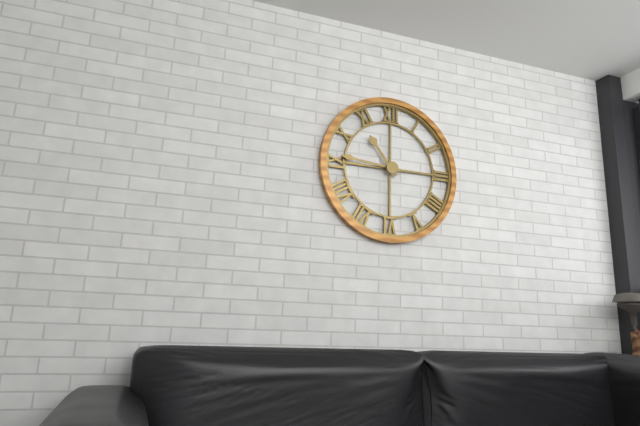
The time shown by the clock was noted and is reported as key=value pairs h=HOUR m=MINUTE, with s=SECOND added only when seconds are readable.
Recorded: h=10 m=46
